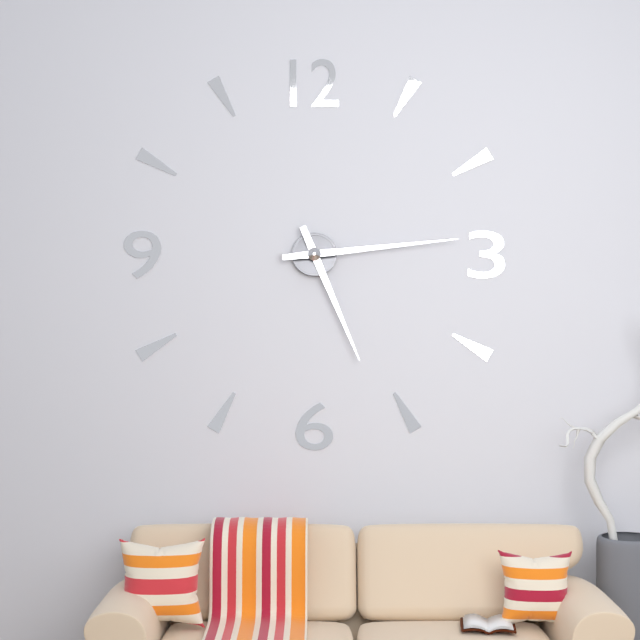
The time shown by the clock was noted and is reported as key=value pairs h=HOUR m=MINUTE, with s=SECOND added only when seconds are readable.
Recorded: h=5 m=14
